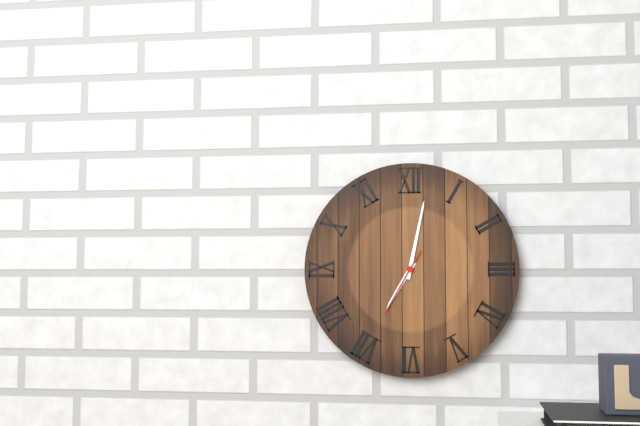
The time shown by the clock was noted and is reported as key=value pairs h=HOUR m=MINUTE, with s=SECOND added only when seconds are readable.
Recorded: h=7 m=2 s=35
